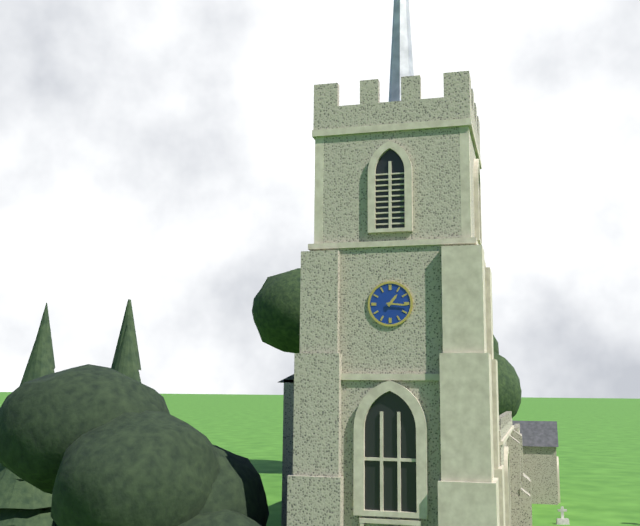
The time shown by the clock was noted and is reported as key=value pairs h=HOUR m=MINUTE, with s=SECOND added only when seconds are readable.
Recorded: h=1 m=16
